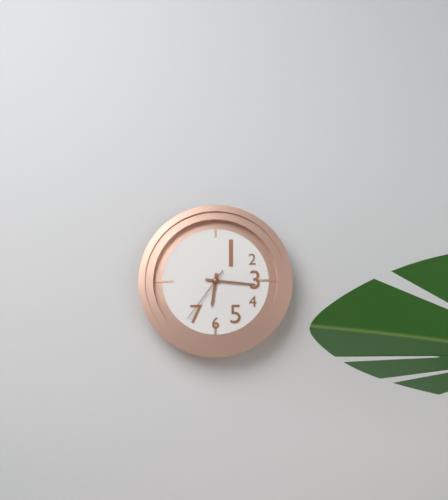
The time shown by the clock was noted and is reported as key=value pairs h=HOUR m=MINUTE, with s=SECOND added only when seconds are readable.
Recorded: h=6 m=16 s=36
